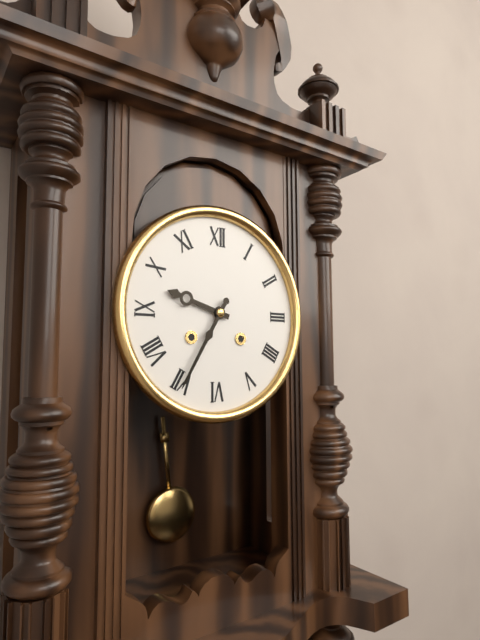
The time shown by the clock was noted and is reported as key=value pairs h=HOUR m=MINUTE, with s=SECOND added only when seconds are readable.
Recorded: h=9 m=35
